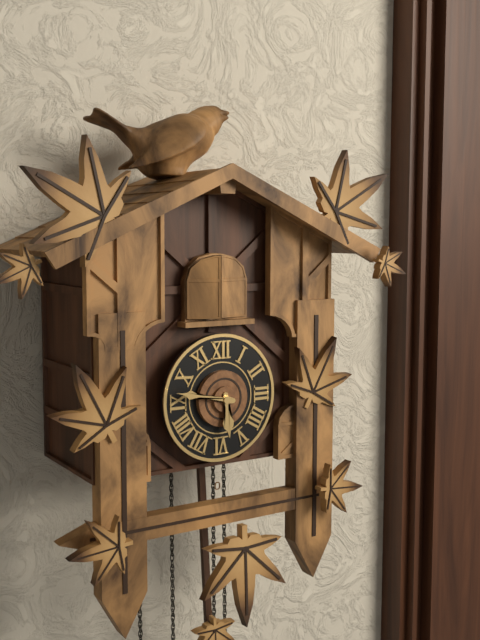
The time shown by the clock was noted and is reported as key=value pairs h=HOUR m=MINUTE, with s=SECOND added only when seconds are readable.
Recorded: h=5 m=47
